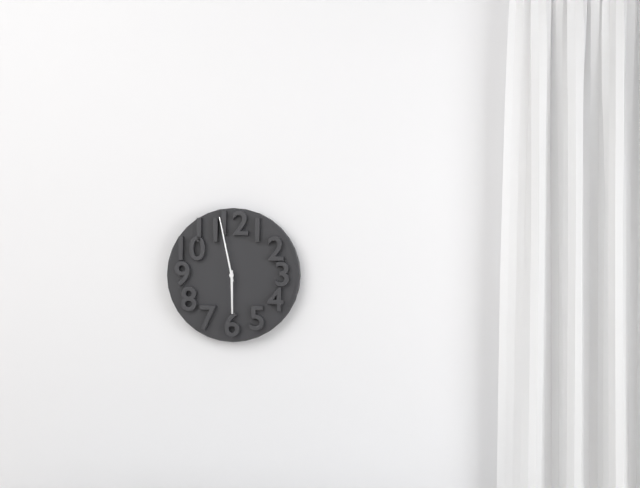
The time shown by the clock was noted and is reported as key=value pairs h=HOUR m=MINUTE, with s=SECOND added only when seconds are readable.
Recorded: h=5 m=58
